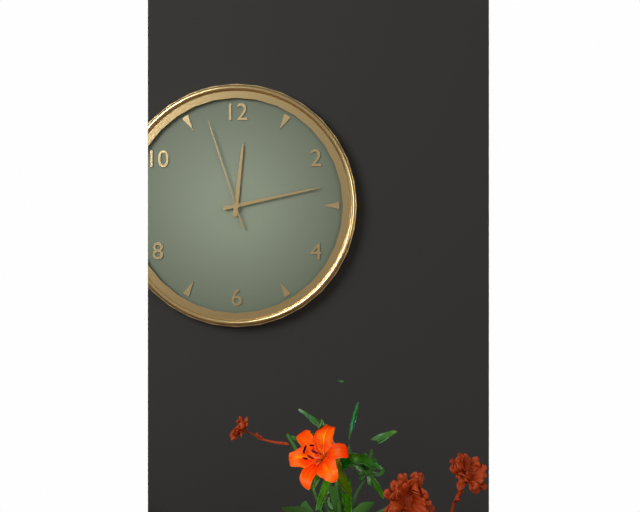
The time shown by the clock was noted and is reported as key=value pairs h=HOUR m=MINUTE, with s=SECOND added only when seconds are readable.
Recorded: h=12 m=13 s=57
